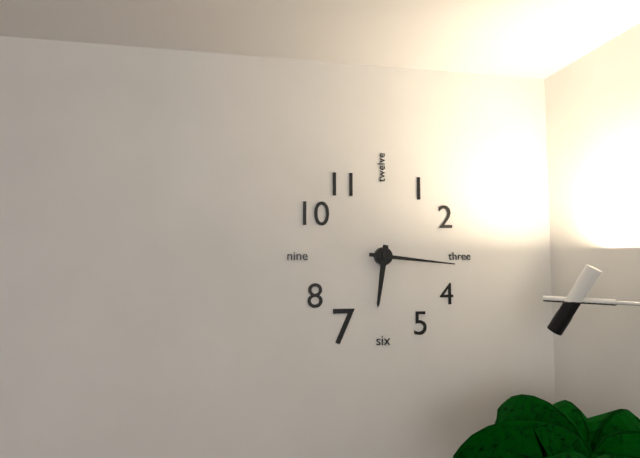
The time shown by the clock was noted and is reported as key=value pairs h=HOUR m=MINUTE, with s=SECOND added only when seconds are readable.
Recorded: h=6 m=16
